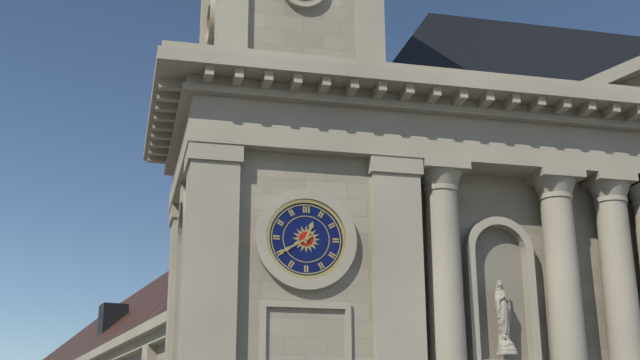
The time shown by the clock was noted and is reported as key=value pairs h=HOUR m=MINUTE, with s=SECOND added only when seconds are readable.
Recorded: h=12 m=40
